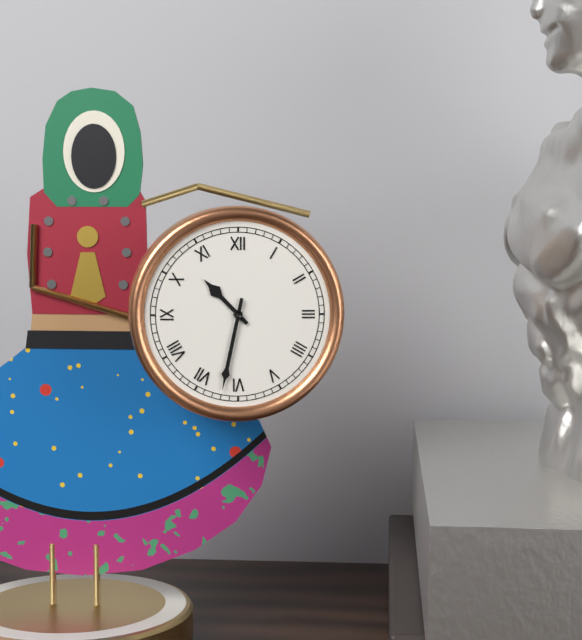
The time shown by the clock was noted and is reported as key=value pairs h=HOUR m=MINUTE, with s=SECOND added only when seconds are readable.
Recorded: h=10 m=32
